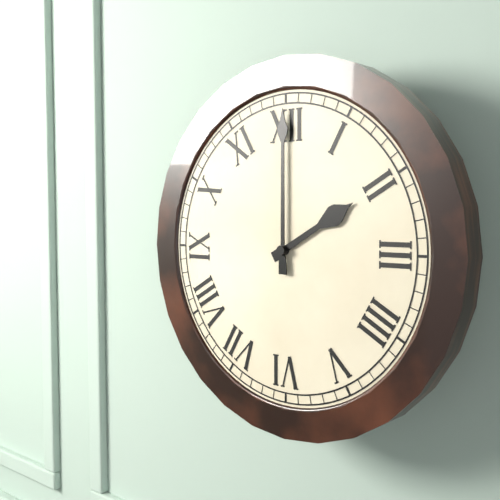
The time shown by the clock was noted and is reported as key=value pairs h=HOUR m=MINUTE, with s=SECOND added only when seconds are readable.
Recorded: h=2 m=0
